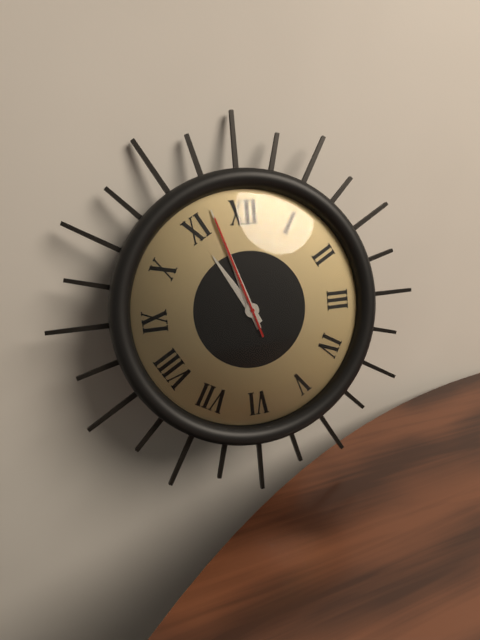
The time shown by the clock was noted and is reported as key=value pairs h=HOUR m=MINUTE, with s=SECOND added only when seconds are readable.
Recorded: h=10 m=57 s=57
